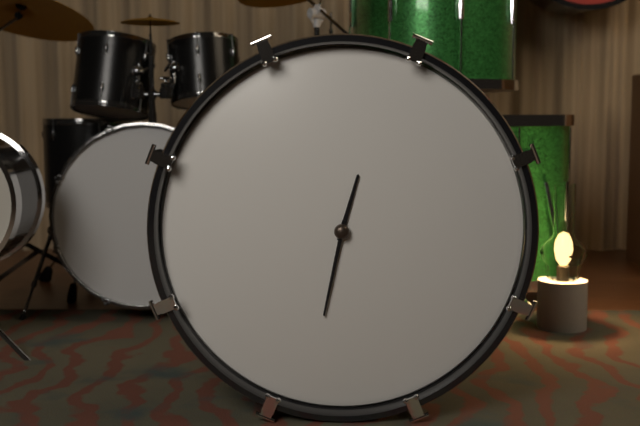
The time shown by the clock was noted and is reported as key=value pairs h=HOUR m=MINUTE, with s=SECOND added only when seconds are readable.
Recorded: h=12 m=32
